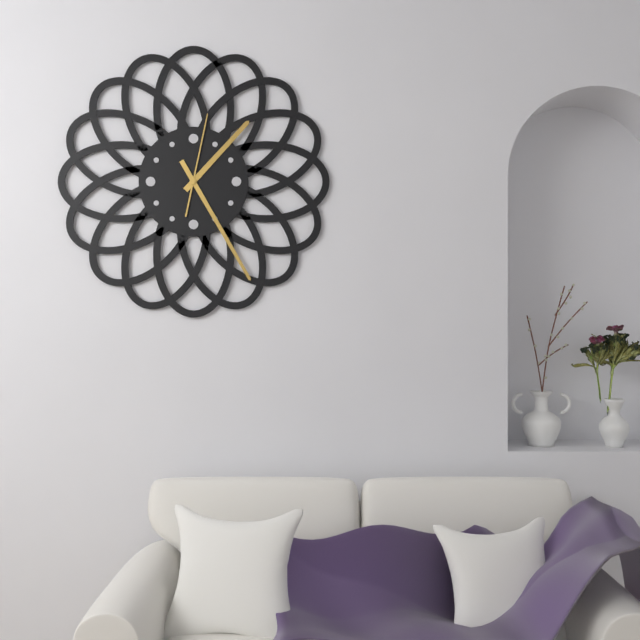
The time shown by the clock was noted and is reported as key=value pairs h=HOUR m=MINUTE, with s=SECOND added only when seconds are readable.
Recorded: h=1 m=25 s=2
